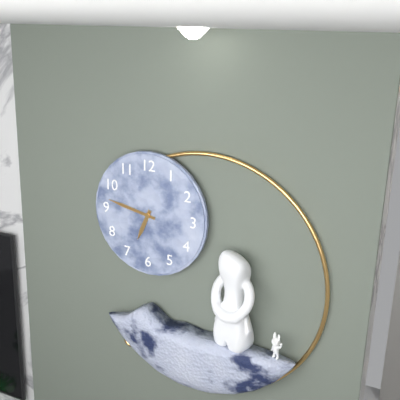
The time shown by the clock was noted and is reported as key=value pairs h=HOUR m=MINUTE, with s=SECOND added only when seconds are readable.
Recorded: h=6 m=47
